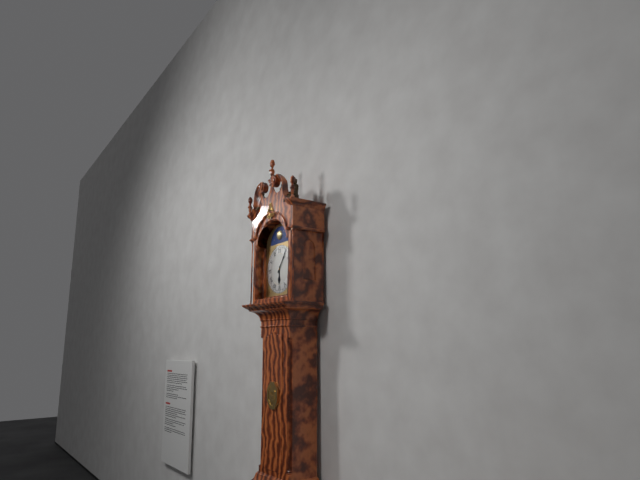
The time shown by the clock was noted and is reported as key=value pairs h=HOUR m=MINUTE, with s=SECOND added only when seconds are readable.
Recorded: h=6 m=6
